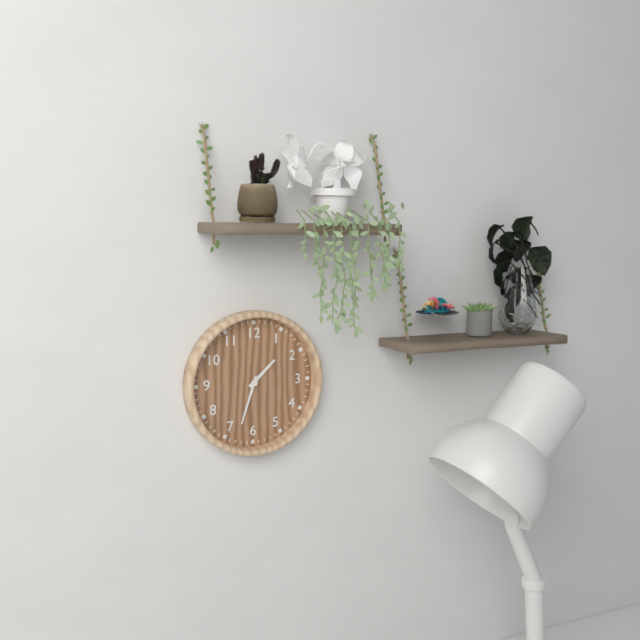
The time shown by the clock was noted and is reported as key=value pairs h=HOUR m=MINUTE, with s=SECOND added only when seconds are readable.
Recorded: h=1 m=33
